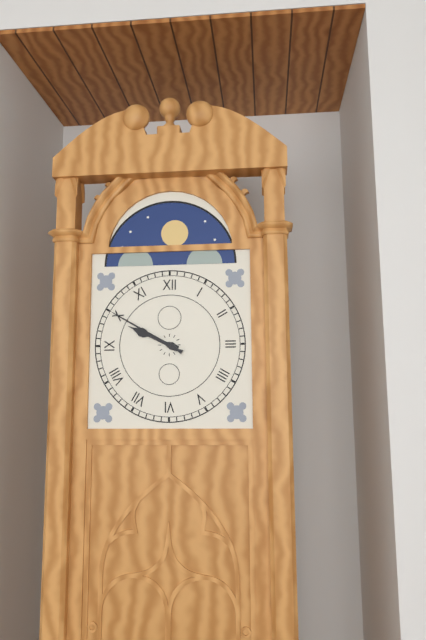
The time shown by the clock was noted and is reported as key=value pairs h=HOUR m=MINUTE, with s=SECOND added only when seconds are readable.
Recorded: h=9 m=50
